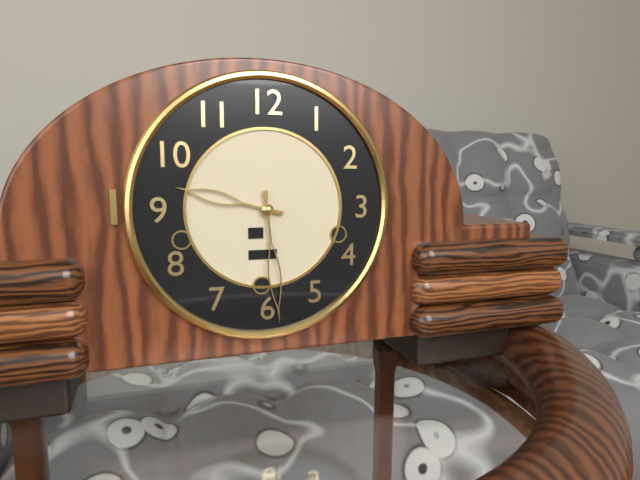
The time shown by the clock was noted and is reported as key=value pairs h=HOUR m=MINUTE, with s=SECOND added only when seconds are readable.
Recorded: h=9 m=29
